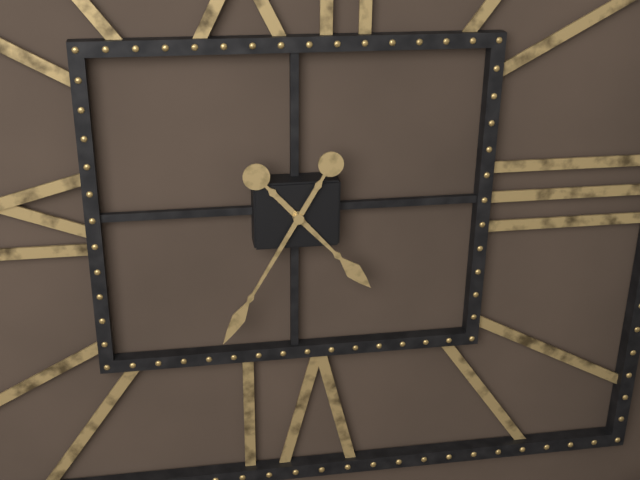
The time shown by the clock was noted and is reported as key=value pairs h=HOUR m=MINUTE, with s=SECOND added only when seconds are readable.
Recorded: h=4 m=35
